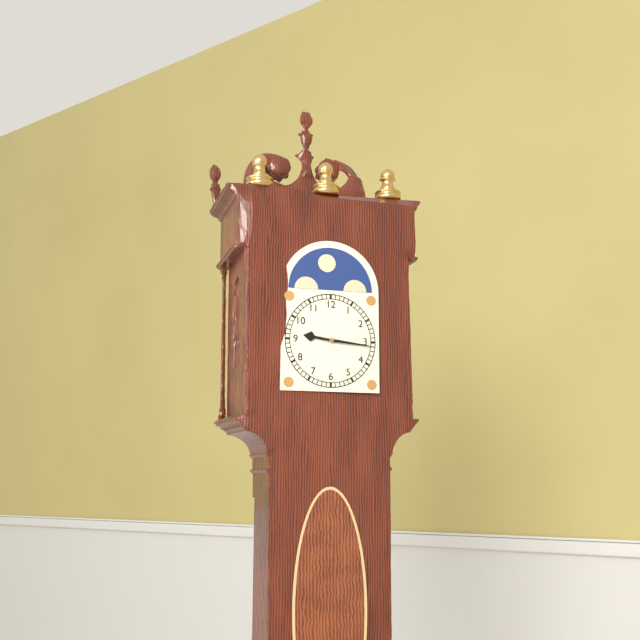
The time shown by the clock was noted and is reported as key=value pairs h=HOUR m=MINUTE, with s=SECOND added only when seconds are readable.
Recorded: h=9 m=16
